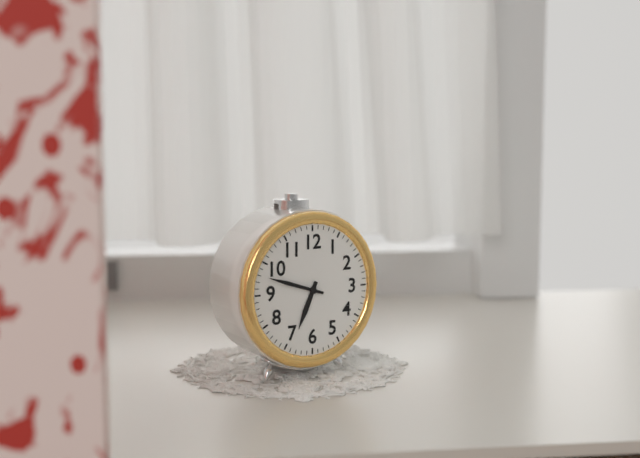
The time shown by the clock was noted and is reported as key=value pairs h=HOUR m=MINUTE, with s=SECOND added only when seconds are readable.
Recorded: h=6 m=48
